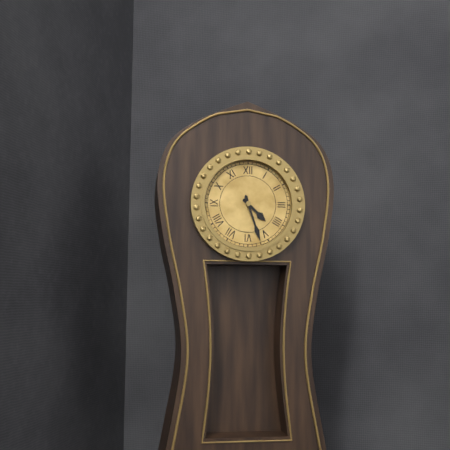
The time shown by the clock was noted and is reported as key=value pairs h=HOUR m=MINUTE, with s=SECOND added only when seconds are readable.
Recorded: h=4 m=27
